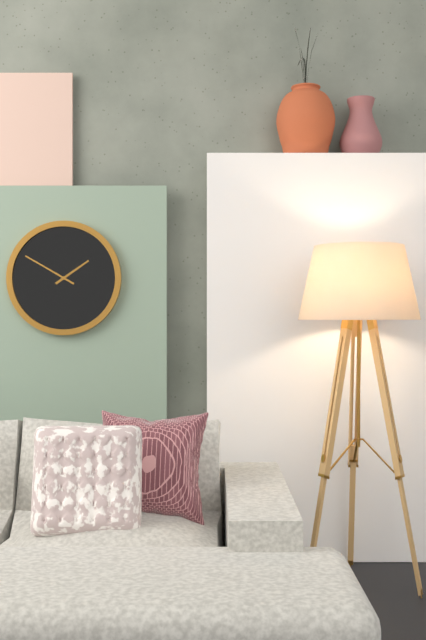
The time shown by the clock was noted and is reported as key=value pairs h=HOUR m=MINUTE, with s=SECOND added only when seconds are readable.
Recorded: h=1 m=50
